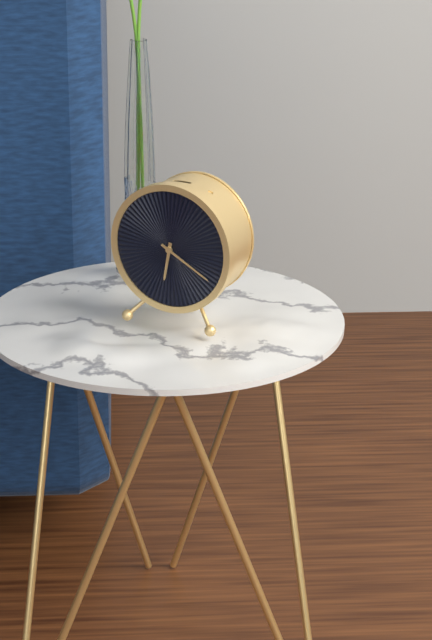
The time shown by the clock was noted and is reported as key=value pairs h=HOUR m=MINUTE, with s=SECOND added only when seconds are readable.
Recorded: h=6 m=20
